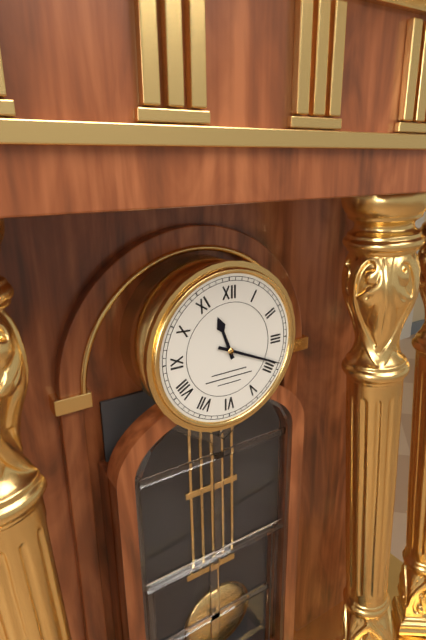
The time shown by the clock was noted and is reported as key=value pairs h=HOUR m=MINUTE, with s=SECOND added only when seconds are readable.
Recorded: h=11 m=19
